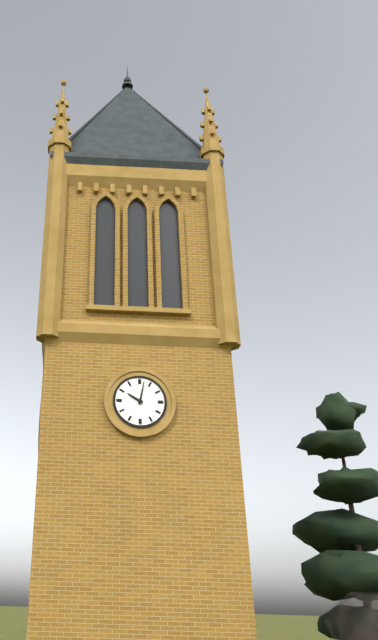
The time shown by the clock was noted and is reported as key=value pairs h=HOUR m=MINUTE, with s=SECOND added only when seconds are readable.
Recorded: h=10 m=2
